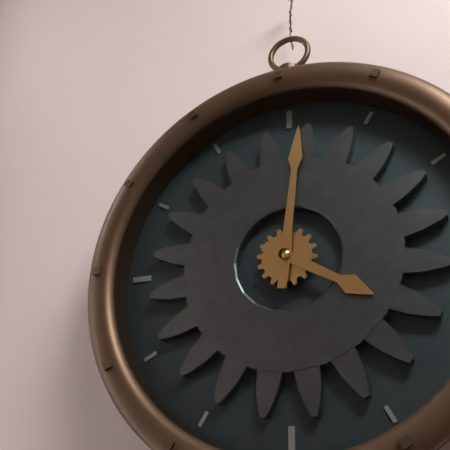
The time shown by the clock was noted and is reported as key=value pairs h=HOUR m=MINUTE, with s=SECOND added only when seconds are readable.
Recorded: h=4 m=1
